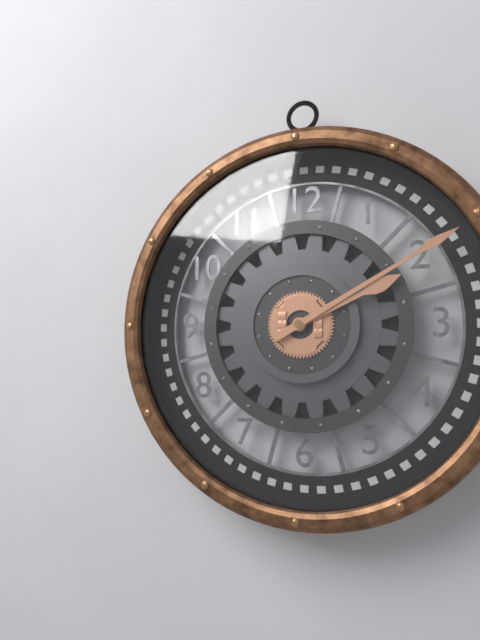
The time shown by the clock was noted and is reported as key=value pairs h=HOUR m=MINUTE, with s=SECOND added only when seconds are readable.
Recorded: h=2 m=10
